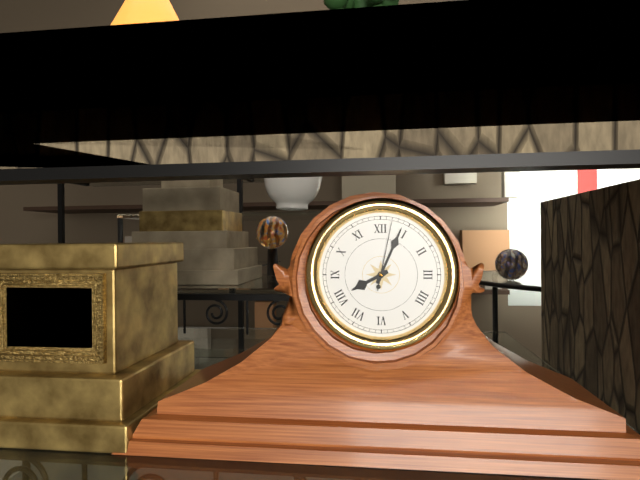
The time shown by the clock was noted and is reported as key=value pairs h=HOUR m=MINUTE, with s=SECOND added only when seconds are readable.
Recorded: h=8 m=4 s=2
